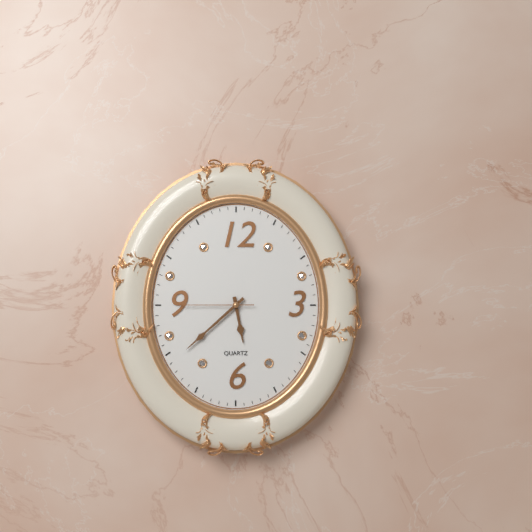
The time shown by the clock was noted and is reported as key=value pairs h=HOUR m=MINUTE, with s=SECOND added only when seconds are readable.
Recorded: h=5 m=38 s=45
